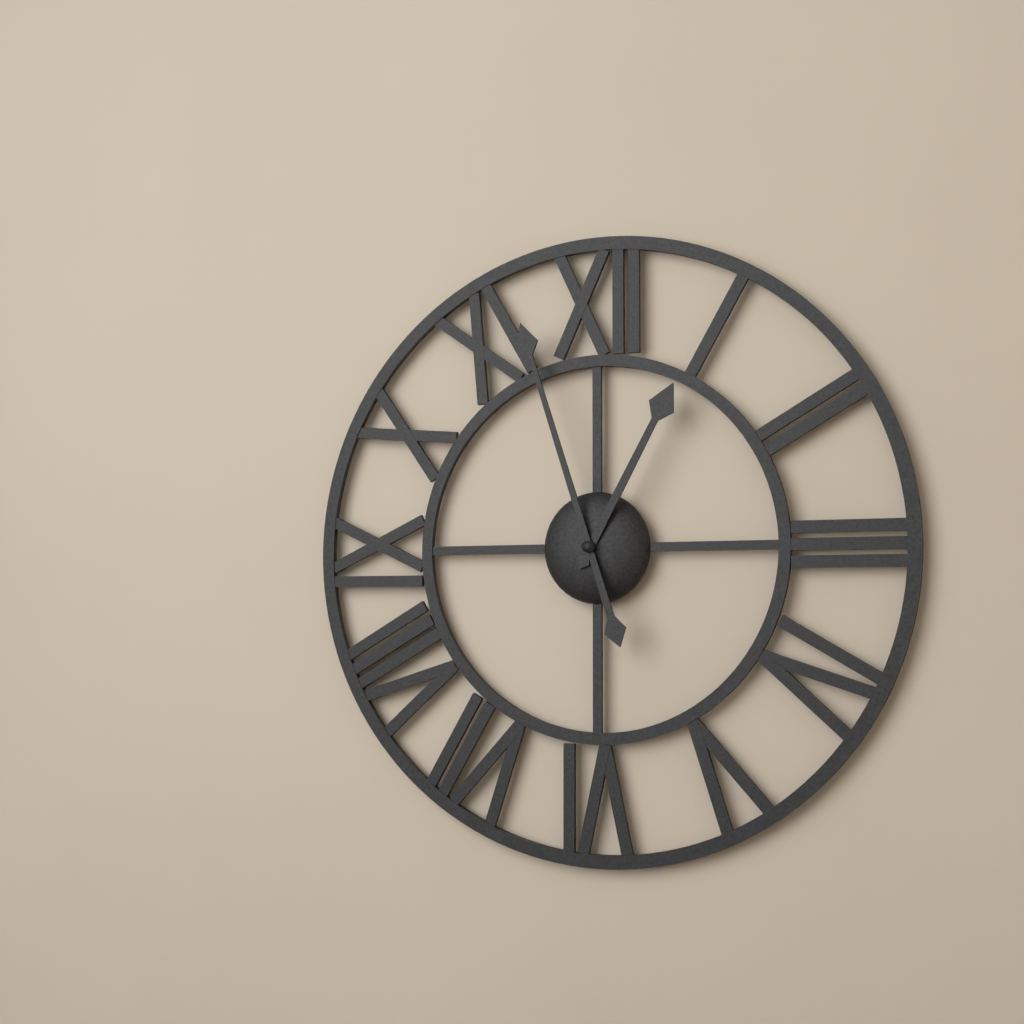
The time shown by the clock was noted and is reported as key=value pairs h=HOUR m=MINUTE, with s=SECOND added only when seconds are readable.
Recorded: h=12 m=57
